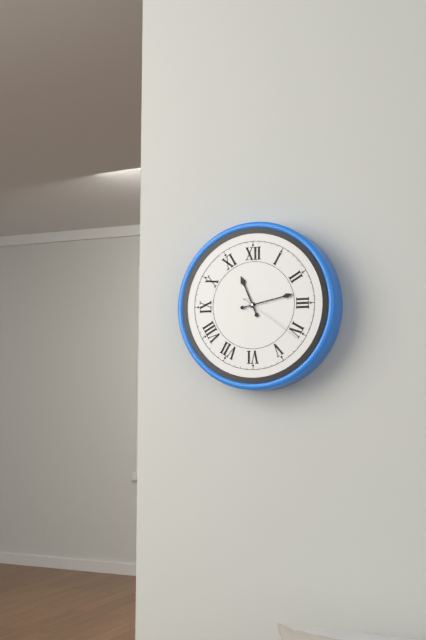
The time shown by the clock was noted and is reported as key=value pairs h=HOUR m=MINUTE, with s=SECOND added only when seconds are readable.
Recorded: h=11 m=13 s=21
